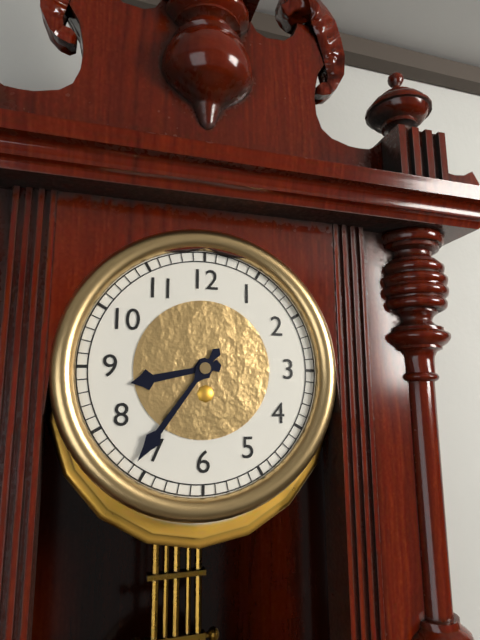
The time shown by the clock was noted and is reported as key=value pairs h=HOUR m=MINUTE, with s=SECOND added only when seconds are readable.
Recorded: h=8 m=36
